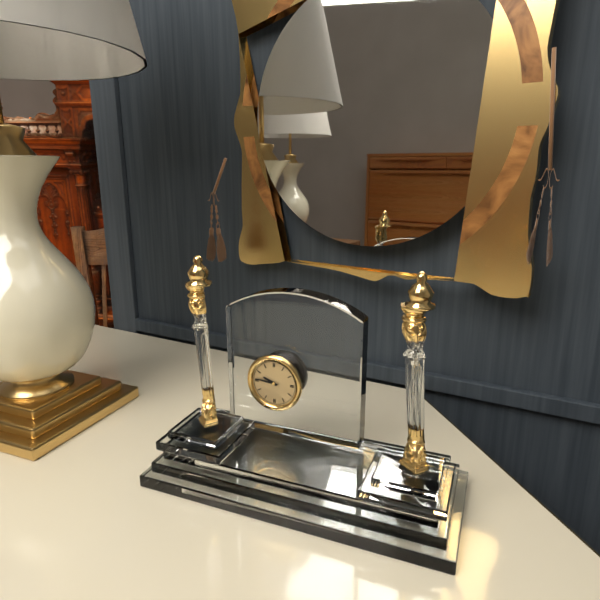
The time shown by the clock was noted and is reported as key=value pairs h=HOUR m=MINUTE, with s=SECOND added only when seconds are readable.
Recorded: h=9 m=46
